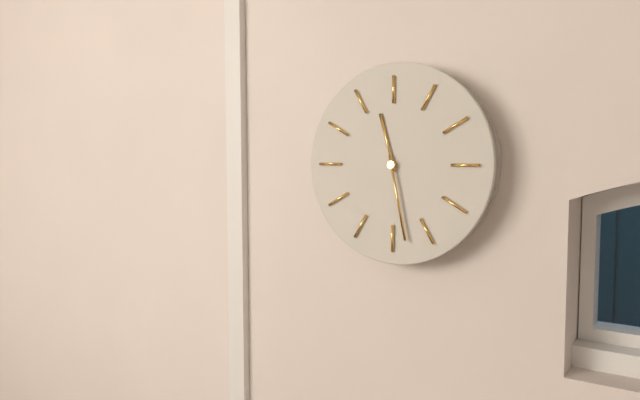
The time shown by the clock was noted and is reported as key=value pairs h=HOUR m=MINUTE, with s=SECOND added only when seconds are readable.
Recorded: h=11 m=28
